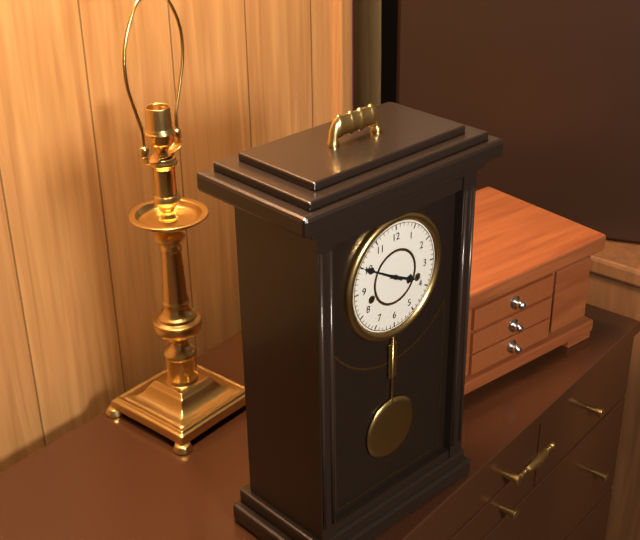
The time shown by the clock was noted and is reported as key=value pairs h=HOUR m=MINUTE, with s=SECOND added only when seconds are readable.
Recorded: h=3 m=50
